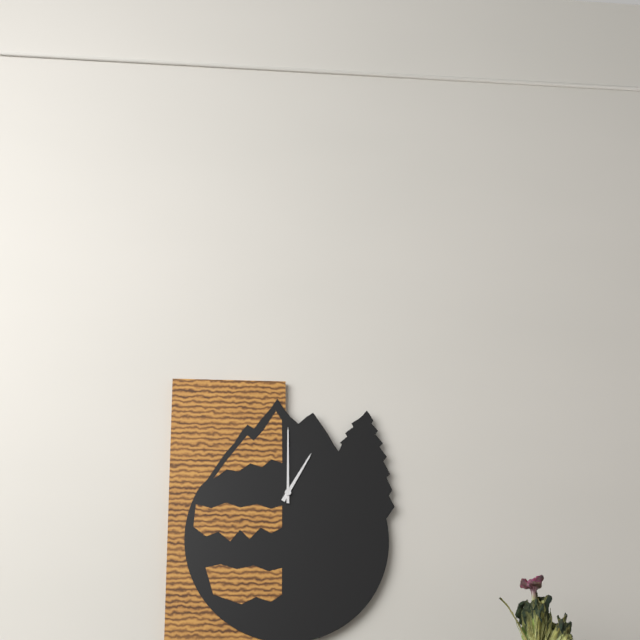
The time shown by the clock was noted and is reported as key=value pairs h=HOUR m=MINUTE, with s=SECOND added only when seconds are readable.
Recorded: h=1 m=0
